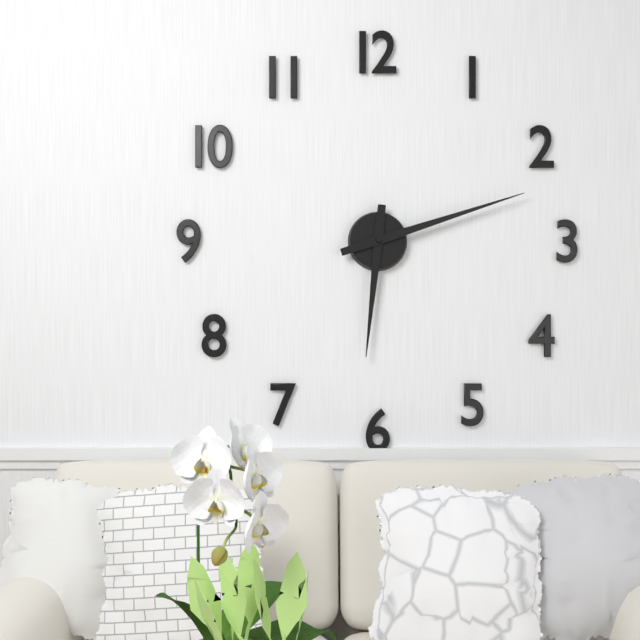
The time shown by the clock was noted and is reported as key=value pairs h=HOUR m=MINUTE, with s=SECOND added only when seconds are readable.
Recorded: h=6 m=12
